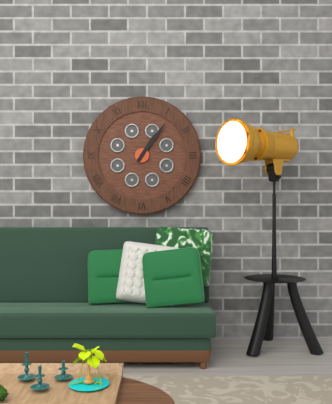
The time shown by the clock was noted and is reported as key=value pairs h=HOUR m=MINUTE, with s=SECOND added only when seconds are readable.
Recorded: h=1 m=6
